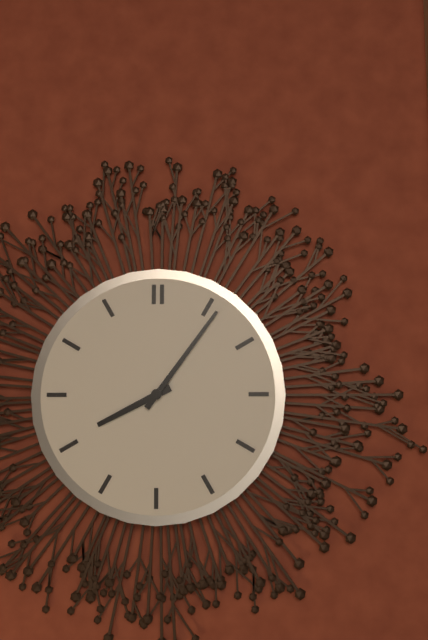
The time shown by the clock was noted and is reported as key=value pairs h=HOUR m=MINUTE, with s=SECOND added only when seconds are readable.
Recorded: h=8 m=6
